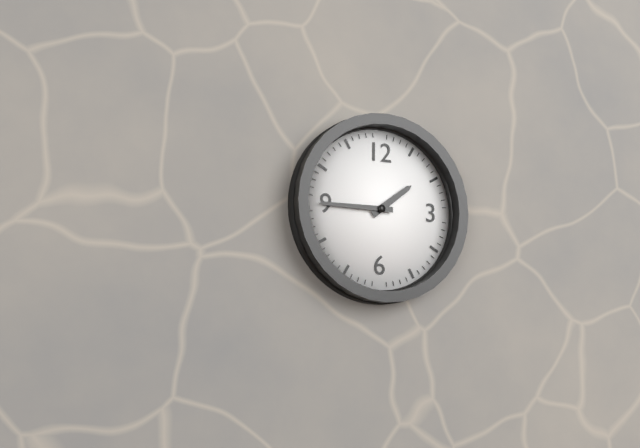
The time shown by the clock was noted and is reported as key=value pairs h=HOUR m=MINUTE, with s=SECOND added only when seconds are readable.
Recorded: h=1 m=45
